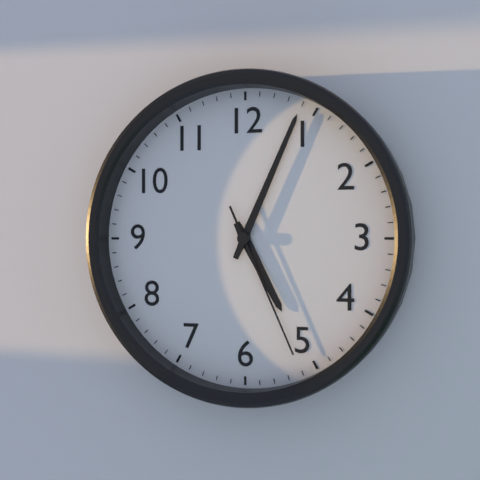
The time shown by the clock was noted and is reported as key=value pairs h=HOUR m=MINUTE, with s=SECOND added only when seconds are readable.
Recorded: h=5 m=4 s=26
